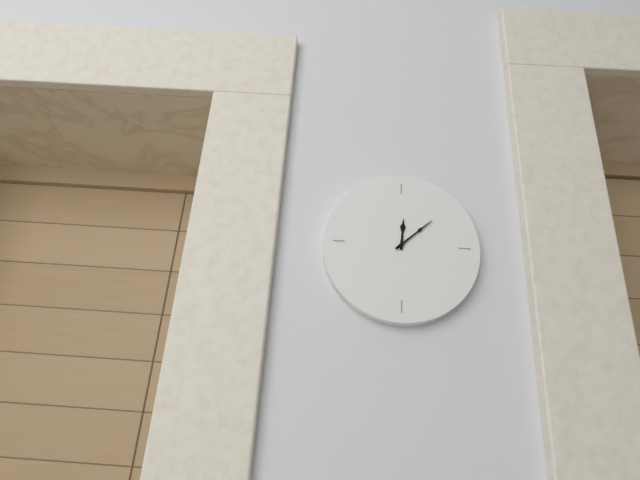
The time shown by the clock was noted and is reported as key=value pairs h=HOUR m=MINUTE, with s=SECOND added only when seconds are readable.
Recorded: h=12 m=8
